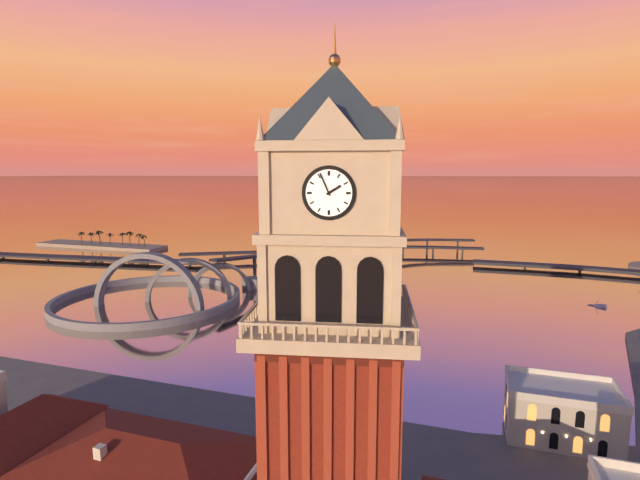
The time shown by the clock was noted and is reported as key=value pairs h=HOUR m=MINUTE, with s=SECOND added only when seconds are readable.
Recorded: h=1 m=56
